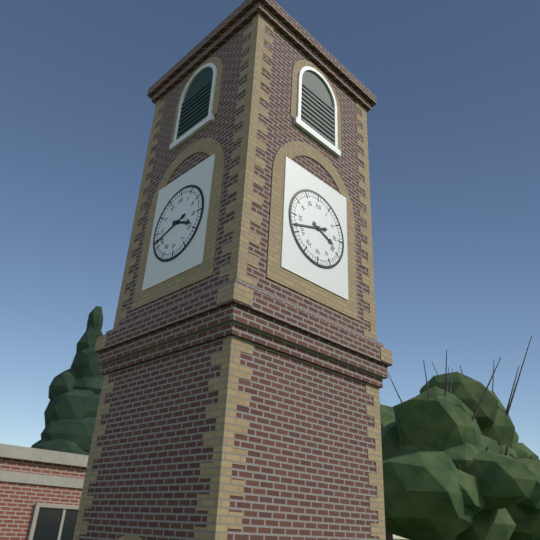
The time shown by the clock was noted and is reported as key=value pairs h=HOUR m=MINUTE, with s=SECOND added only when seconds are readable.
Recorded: h=3 m=42
